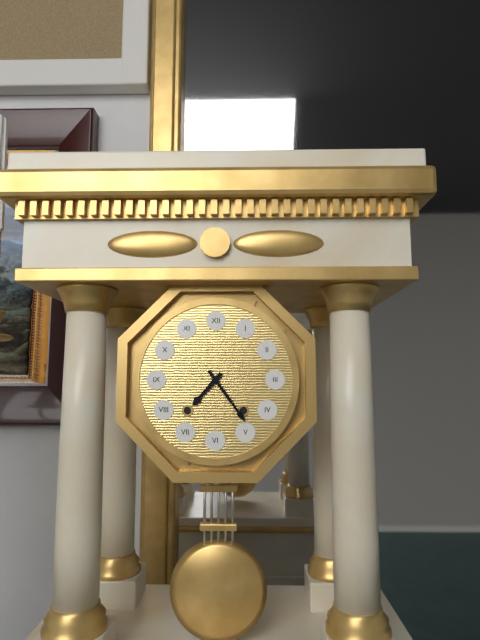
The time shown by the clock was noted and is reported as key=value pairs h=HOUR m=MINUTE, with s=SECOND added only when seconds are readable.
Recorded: h=7 m=24
